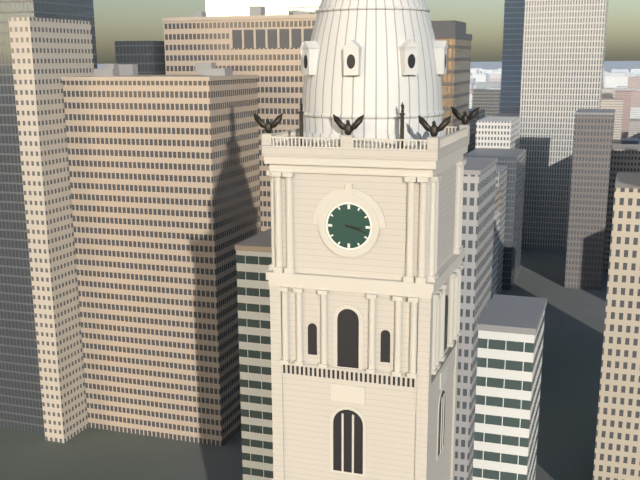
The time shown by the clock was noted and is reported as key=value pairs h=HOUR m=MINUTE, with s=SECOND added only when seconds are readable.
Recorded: h=3 m=18
